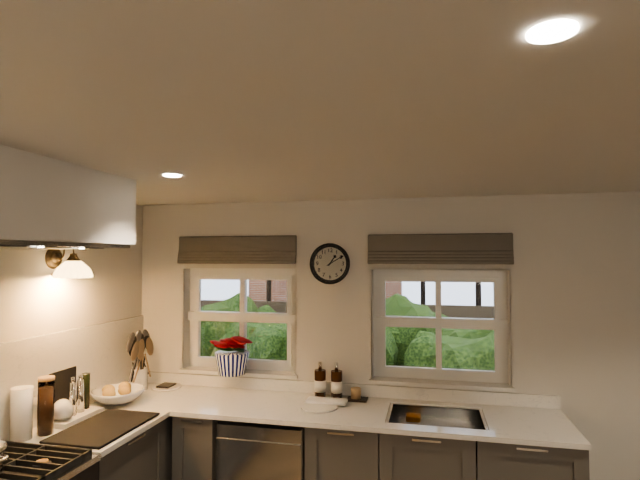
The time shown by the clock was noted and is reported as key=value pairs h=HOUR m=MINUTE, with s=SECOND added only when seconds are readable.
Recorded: h=1 m=10
